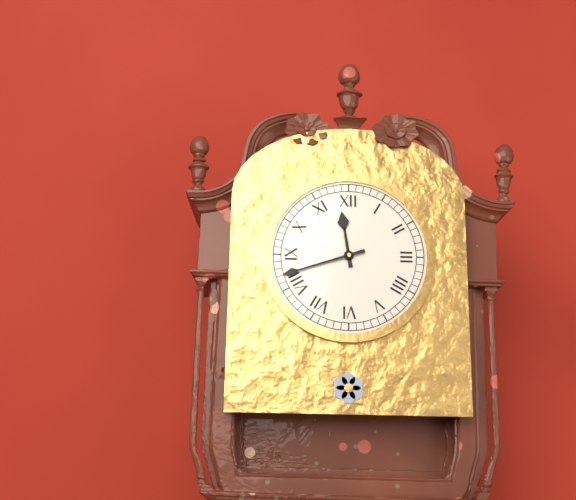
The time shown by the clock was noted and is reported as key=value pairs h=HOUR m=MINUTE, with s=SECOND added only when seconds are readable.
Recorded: h=11 m=42
